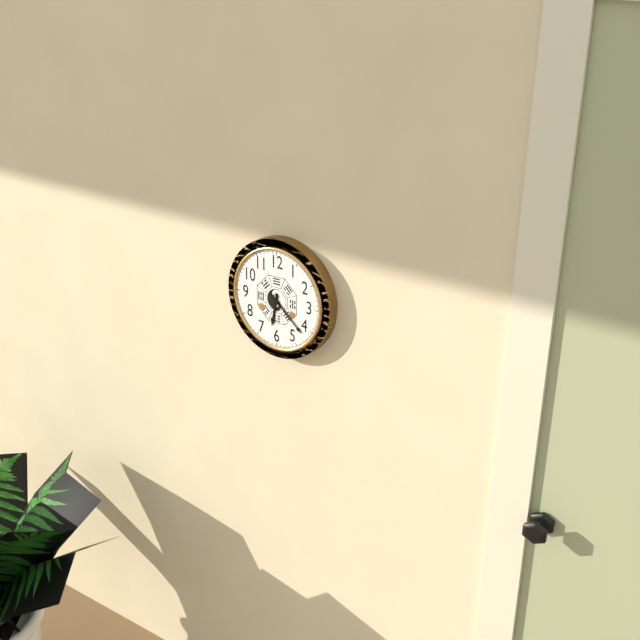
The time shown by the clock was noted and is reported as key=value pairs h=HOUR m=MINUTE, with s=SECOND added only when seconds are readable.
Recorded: h=6 m=22
